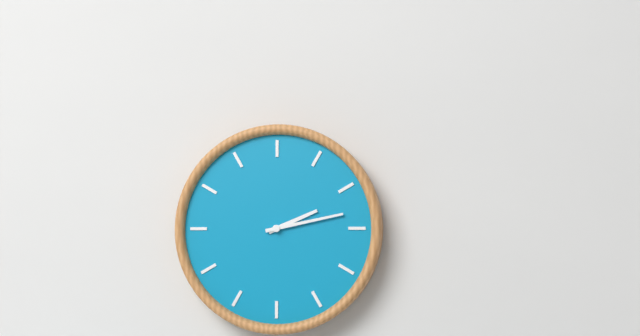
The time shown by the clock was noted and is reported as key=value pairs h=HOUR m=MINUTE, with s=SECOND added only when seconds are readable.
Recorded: h=2 m=13
